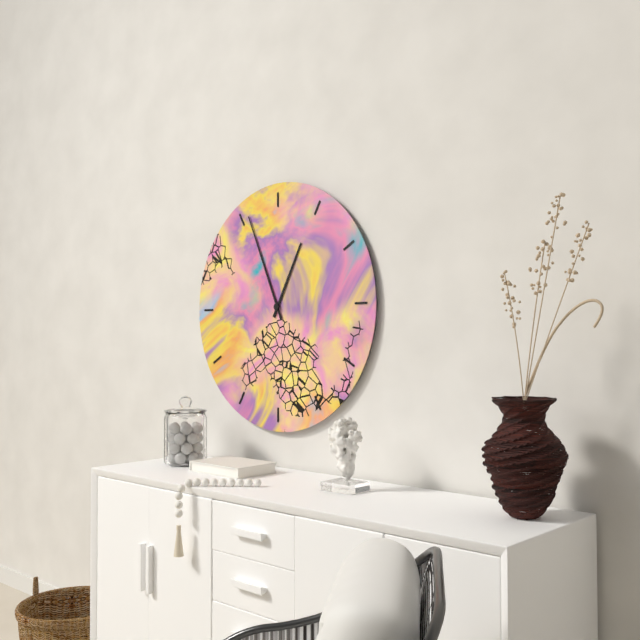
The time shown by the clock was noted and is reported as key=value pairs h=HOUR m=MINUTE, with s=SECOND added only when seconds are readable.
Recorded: h=12 m=56
